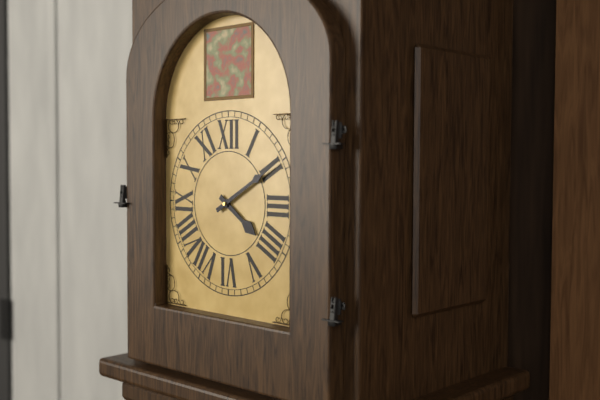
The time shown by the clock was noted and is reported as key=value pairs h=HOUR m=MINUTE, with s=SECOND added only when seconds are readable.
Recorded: h=4 m=10
